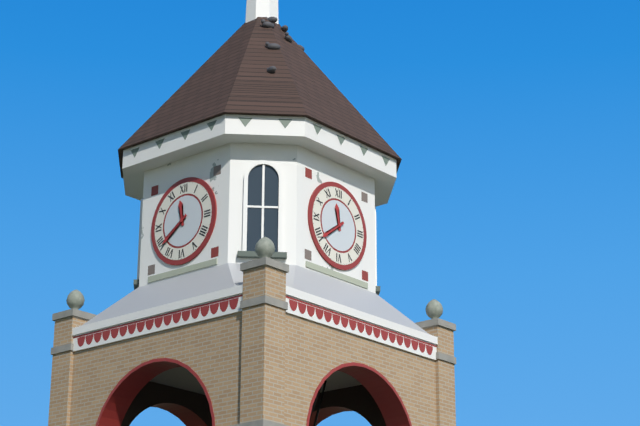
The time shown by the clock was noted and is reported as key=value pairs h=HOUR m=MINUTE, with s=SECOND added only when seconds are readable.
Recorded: h=11 m=39
